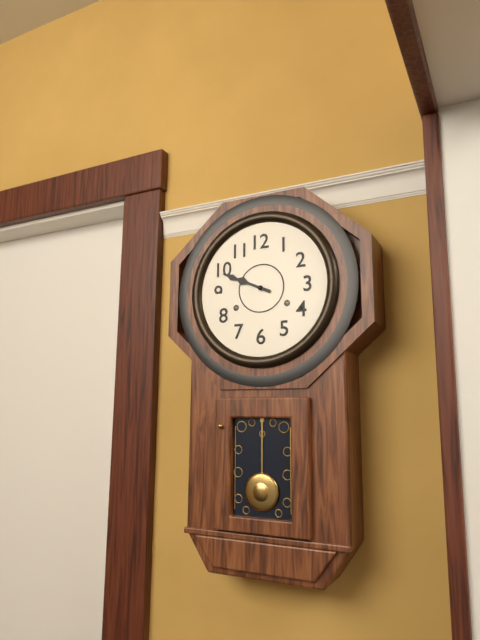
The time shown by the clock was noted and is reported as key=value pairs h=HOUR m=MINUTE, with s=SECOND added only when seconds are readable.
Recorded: h=9 m=49
